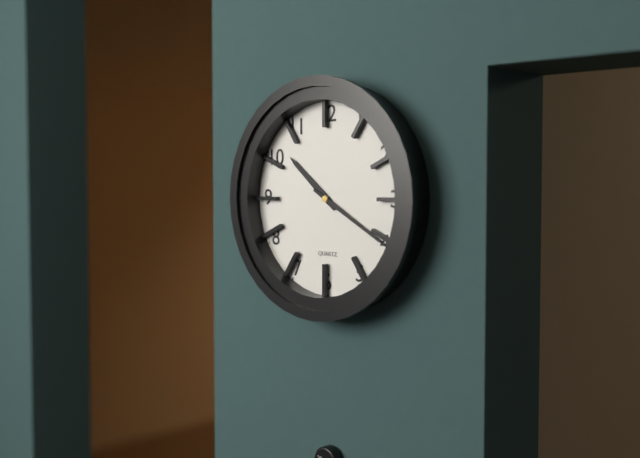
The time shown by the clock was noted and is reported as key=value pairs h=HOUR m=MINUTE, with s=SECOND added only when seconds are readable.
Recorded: h=10 m=20
